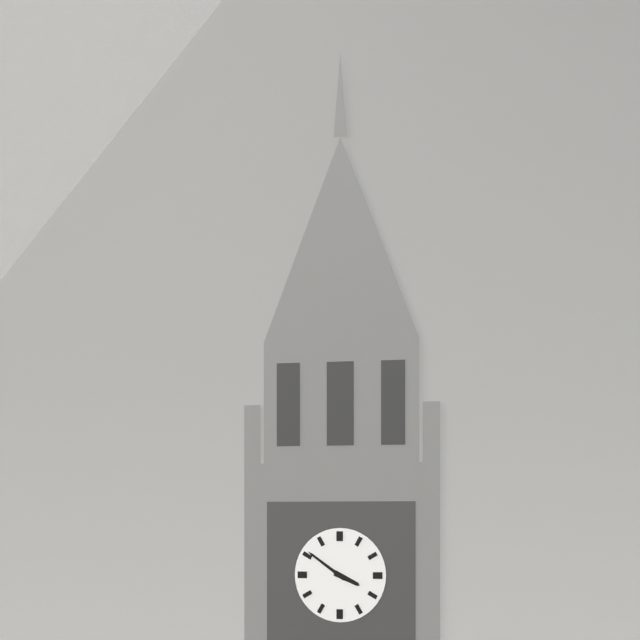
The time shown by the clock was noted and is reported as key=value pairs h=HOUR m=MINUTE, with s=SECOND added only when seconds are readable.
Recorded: h=3 m=51
